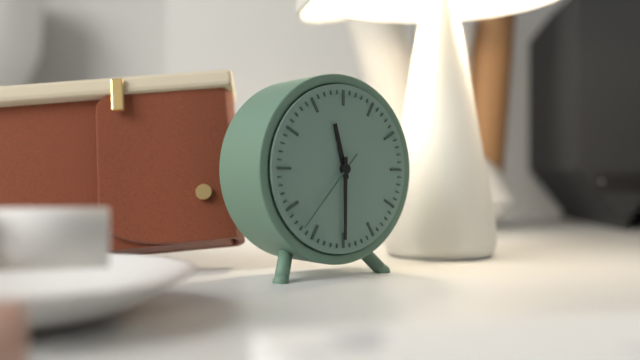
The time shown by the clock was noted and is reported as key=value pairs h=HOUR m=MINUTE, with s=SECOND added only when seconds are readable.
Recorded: h=11 m=30 s=37
